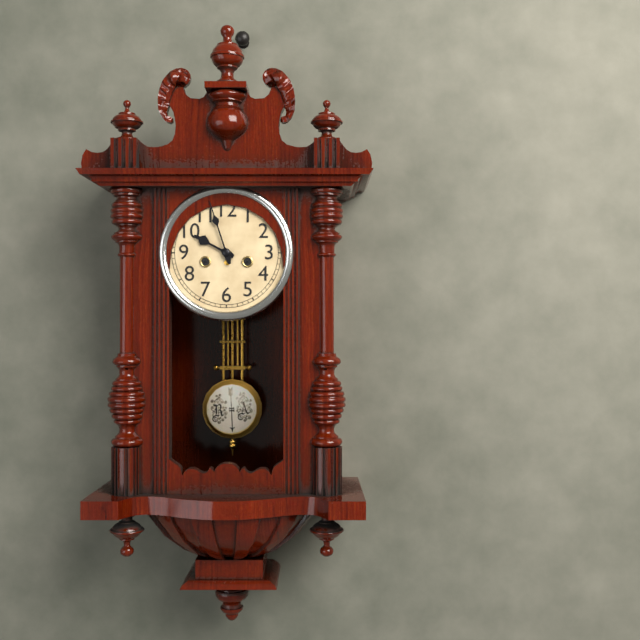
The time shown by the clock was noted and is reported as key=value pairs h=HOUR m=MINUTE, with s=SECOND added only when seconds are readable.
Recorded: h=9 m=57
